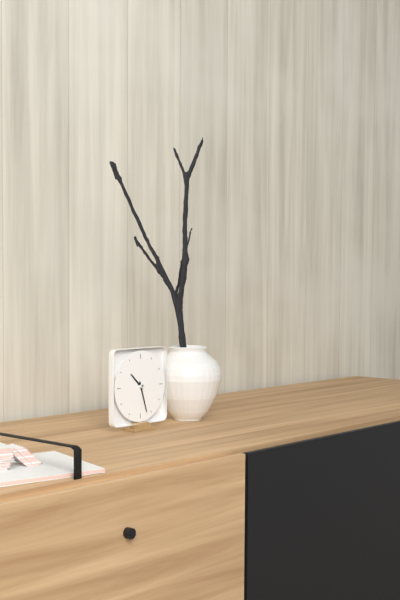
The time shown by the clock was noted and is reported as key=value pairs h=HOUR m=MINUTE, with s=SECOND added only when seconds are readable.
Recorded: h=10 m=27
